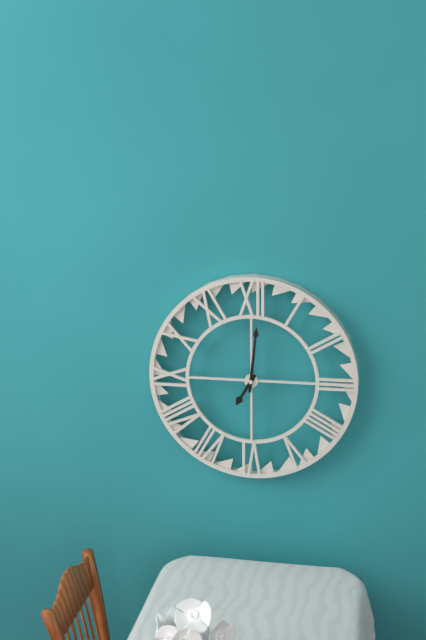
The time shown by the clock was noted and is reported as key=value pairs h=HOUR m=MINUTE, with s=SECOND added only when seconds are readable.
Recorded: h=7 m=1
